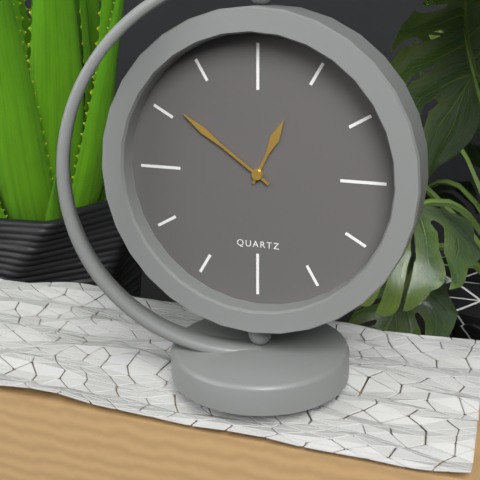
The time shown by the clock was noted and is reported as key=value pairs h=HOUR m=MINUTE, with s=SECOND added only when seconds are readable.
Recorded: h=12 m=51
